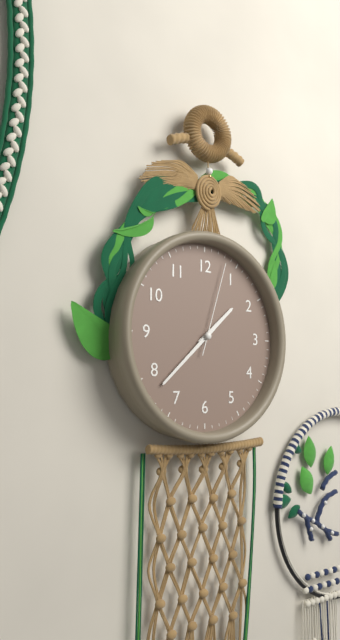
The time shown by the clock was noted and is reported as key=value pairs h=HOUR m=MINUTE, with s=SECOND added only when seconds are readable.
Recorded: h=1 m=38 s=3
